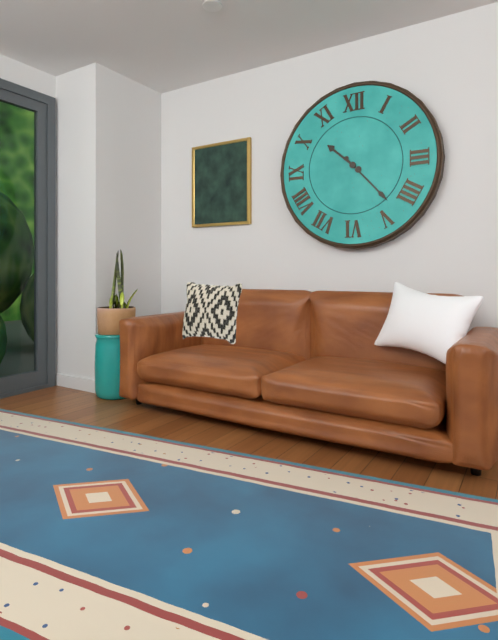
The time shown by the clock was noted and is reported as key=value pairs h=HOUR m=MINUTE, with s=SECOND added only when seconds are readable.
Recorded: h=10 m=23
